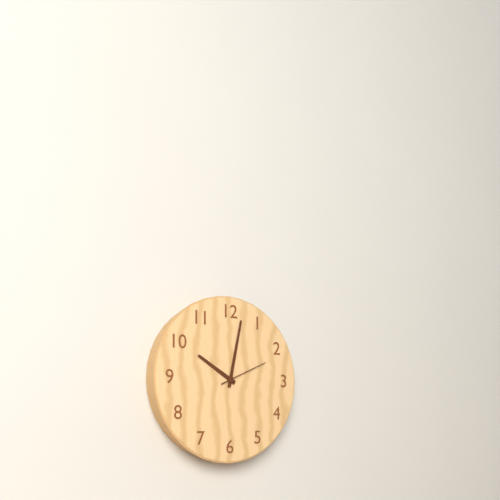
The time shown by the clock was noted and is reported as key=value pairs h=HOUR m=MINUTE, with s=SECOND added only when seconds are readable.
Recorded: h=10 m=2
